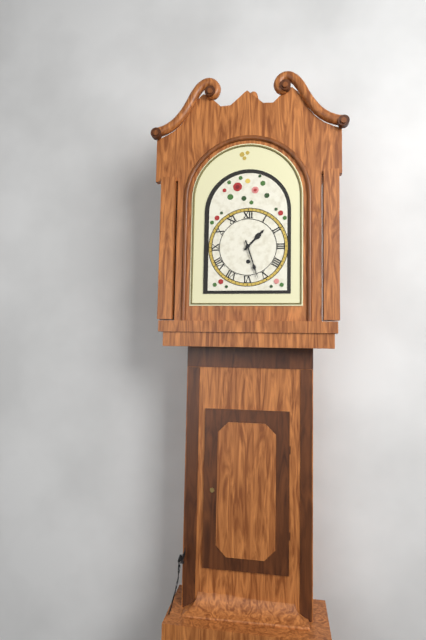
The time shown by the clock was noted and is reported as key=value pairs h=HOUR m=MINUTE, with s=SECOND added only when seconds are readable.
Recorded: h=1 m=27
